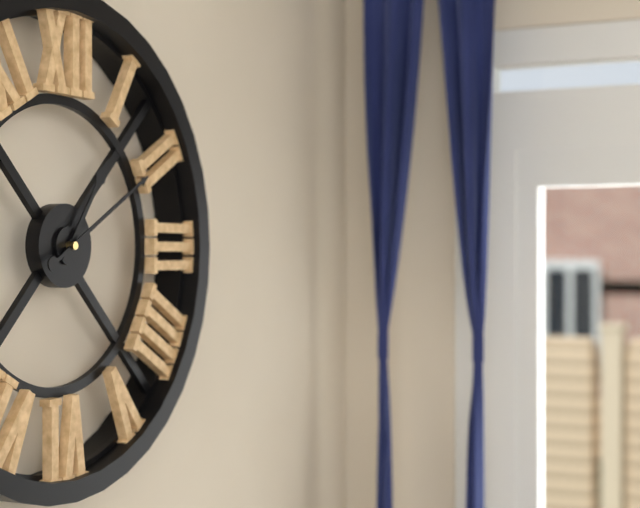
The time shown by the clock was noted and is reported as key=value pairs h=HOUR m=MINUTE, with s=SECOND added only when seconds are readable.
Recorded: h=1 m=10
